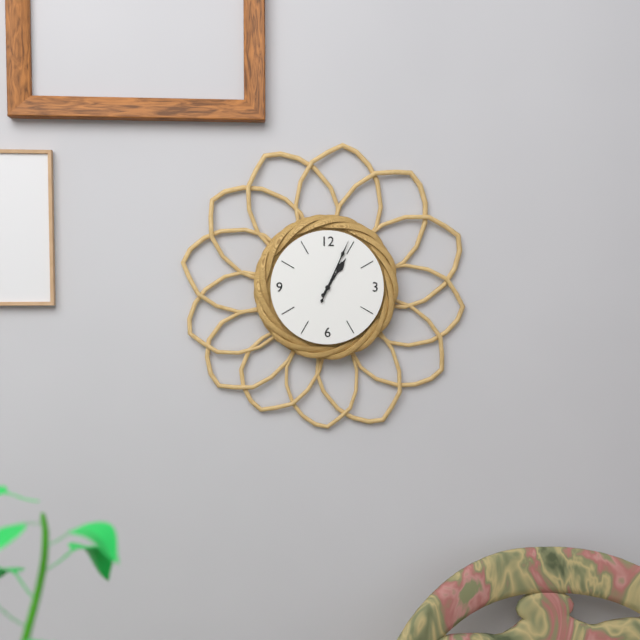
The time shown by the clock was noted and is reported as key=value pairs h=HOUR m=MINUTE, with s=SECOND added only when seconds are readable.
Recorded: h=1 m=4
